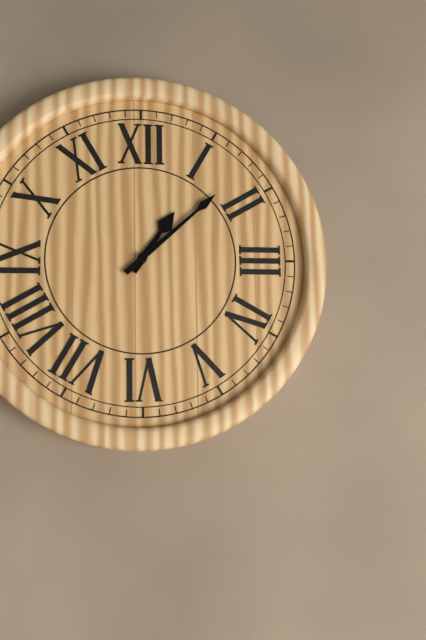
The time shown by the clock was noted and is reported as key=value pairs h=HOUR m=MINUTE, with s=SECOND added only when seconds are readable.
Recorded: h=1 m=8
